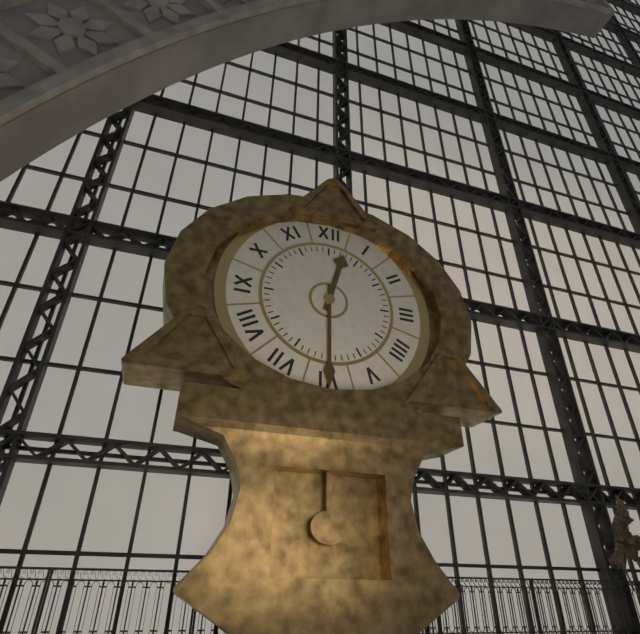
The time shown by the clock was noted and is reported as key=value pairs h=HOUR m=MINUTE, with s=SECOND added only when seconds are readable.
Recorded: h=12 m=30
